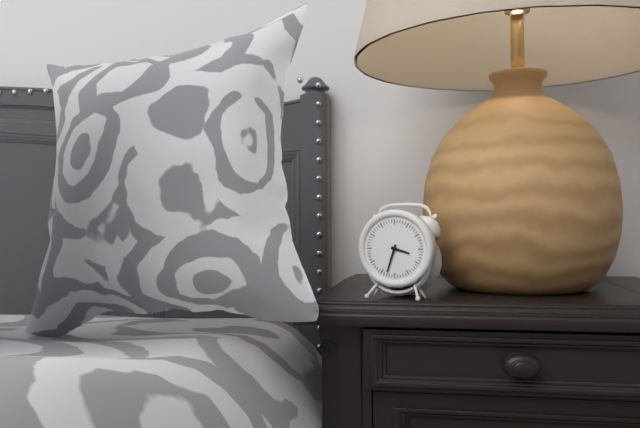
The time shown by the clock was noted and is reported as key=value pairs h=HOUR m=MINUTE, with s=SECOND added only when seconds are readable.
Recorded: h=3 m=33
